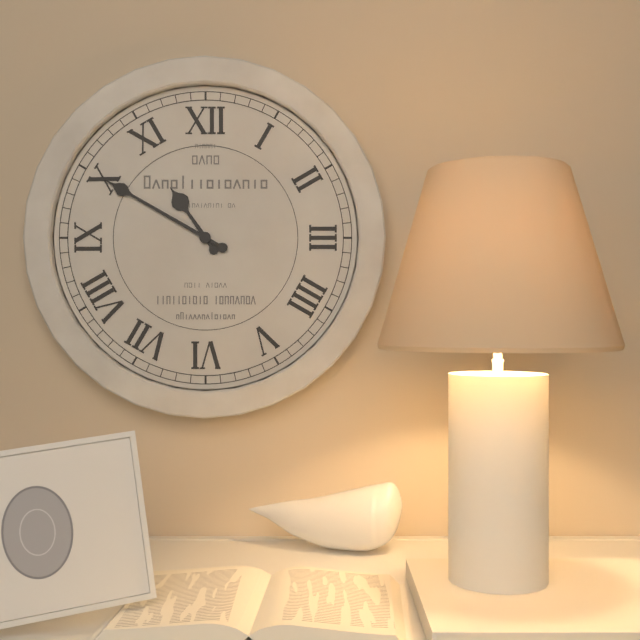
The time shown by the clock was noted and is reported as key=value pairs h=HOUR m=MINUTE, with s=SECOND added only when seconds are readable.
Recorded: h=10 m=50
